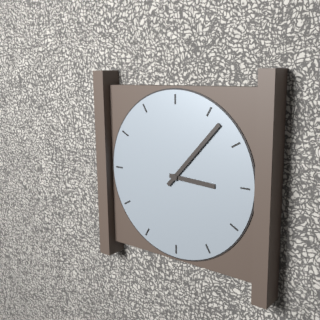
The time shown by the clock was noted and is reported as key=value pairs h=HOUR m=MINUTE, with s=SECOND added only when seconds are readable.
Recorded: h=3 m=7
